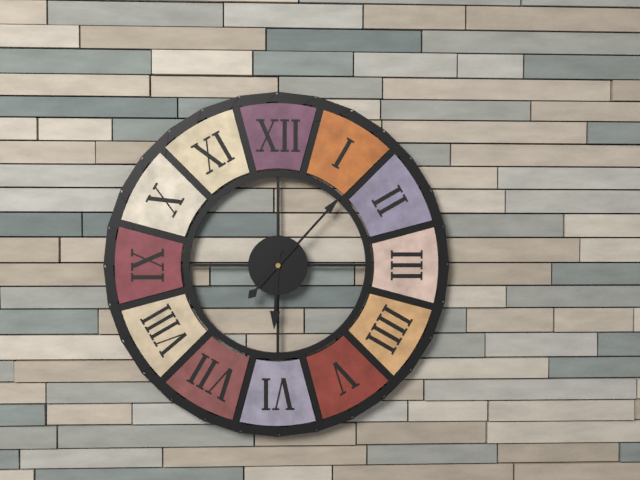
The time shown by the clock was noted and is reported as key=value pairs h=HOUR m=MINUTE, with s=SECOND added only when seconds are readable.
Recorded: h=6 m=7
